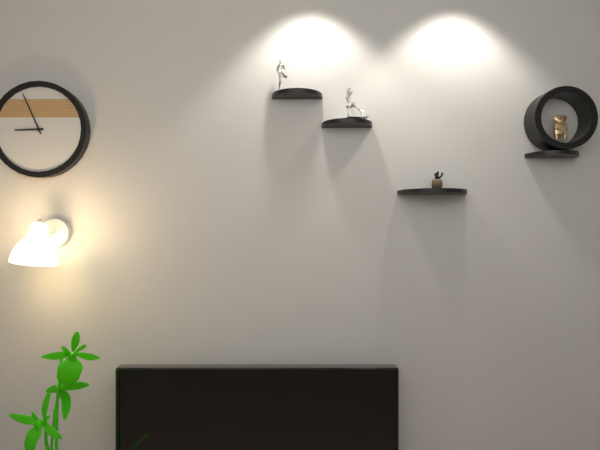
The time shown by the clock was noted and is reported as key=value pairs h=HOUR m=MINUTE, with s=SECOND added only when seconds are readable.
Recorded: h=8 m=56
